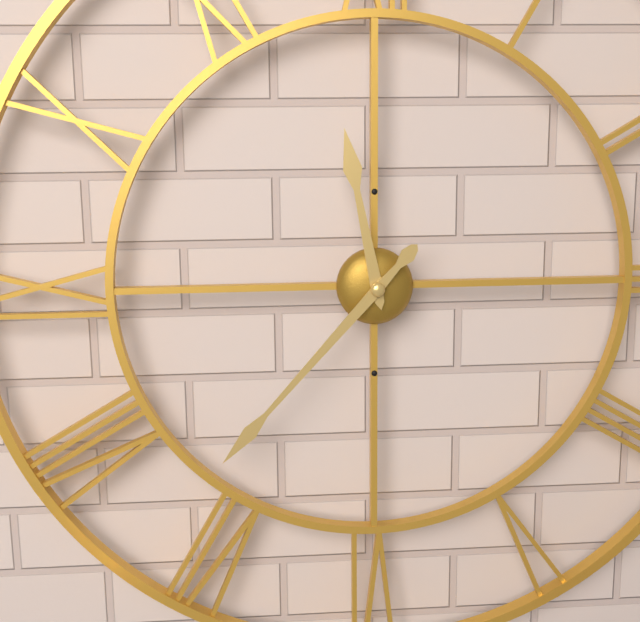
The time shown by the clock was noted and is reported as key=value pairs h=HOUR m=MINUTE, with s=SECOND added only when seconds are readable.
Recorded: h=11 m=37
